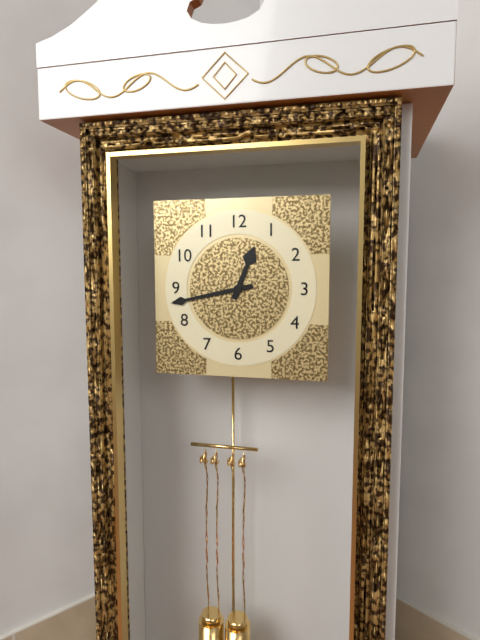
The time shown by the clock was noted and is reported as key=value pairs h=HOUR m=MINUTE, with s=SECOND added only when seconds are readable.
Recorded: h=12 m=43
